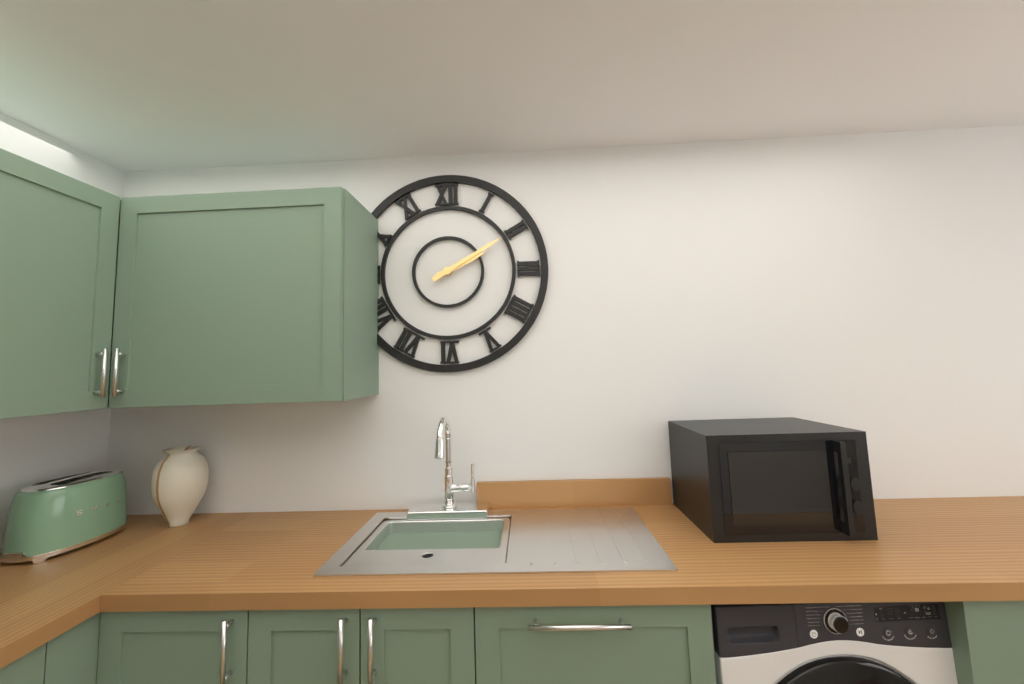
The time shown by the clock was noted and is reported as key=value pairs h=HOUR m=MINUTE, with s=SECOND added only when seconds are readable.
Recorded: h=2 m=10
